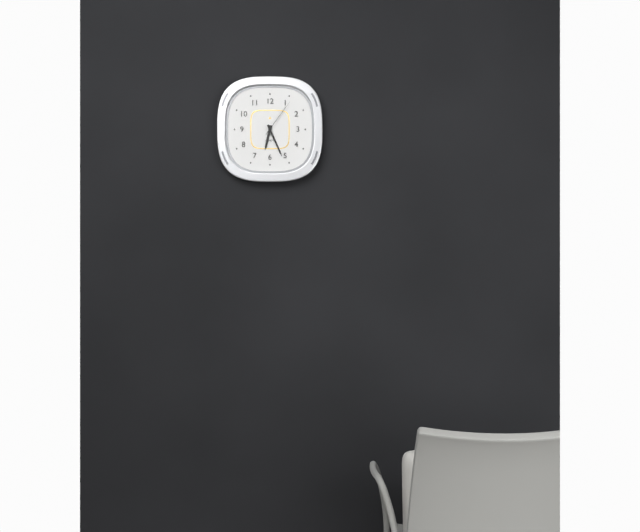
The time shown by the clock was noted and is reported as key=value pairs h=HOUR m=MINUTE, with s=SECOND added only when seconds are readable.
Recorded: h=6 m=26
